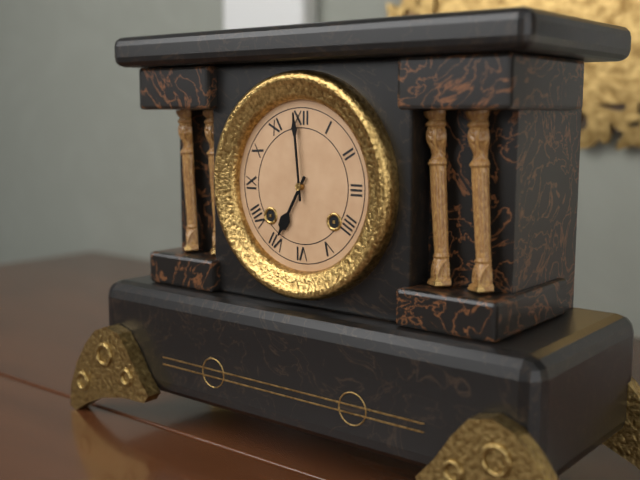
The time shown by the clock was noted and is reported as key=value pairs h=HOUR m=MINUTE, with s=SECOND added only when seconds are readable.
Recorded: h=6 m=59
